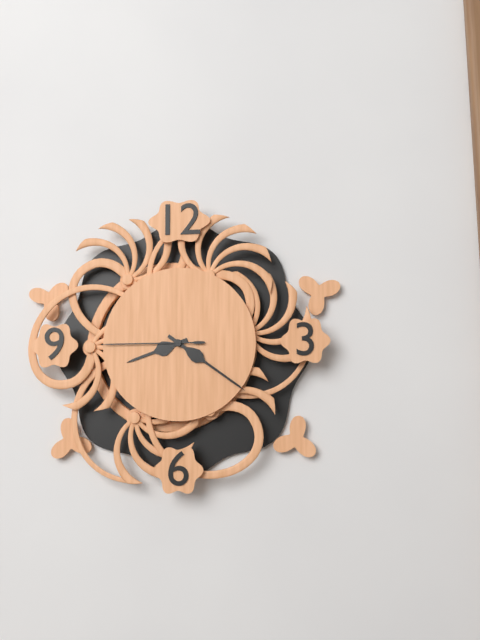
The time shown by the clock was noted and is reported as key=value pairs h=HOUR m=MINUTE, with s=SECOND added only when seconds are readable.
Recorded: h=8 m=21 s=45
